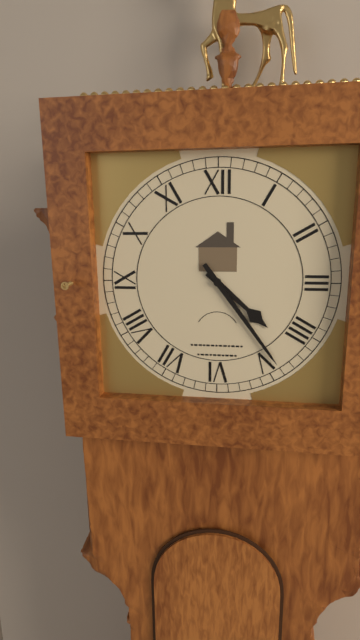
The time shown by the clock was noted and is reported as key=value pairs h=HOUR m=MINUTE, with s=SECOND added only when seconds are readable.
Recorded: h=4 m=24
